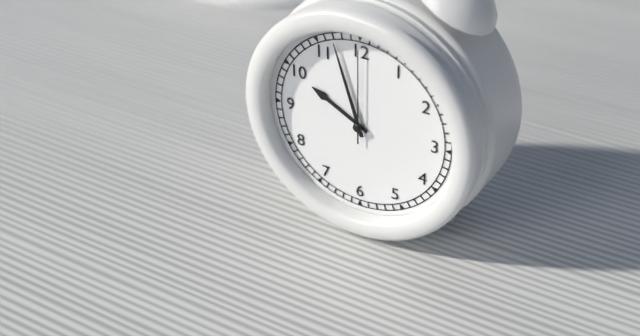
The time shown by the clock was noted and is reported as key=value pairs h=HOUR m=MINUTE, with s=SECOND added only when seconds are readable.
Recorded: h=9 m=57 s=0
